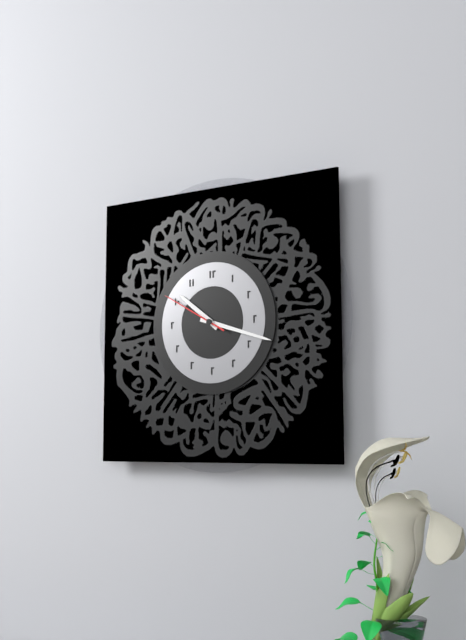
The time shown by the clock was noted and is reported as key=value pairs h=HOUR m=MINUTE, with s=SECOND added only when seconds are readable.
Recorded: h=10 m=18 s=50
